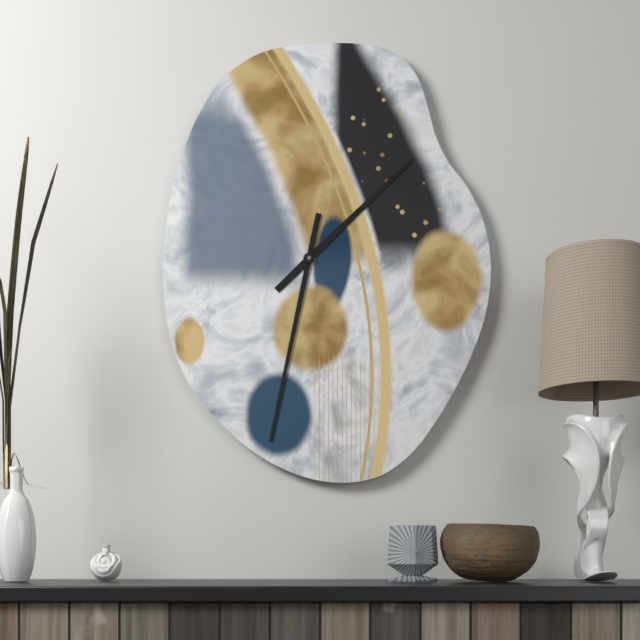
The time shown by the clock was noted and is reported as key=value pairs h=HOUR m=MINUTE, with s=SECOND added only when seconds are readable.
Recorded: h=1 m=32
